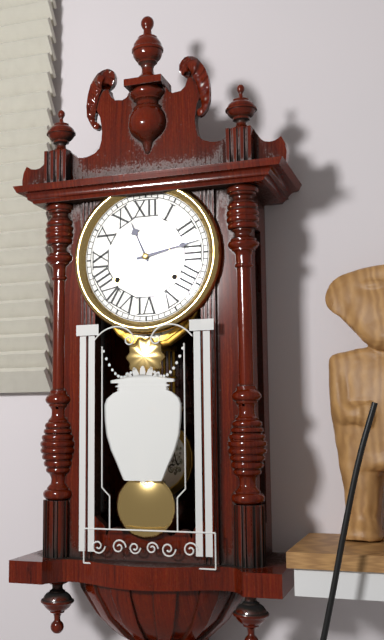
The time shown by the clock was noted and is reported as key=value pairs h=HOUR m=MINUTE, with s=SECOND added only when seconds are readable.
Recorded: h=11 m=13
